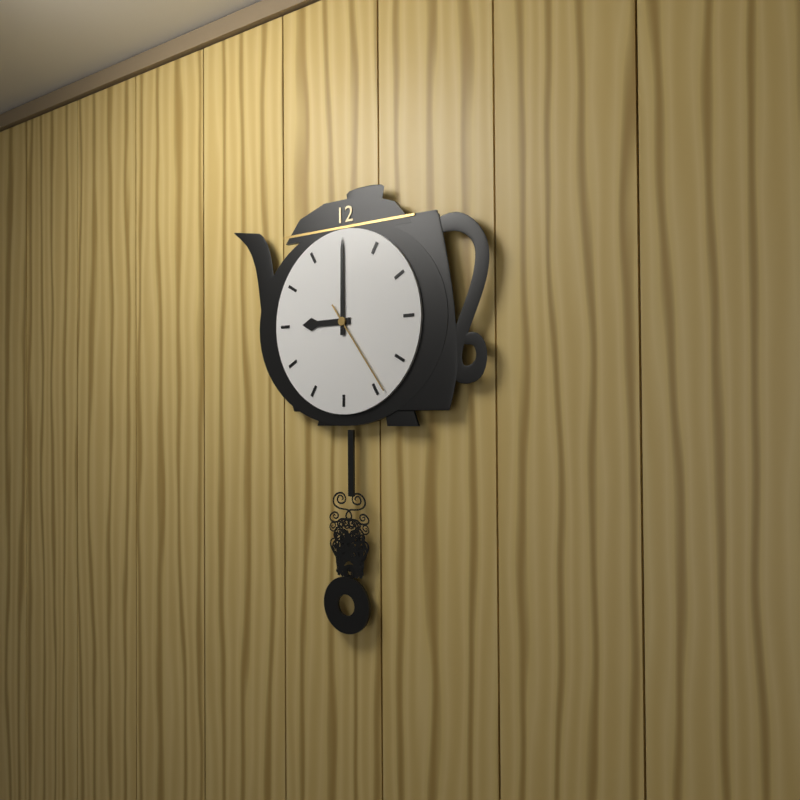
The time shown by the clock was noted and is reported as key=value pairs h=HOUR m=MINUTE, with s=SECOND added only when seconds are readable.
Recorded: h=9 m=0 s=24
